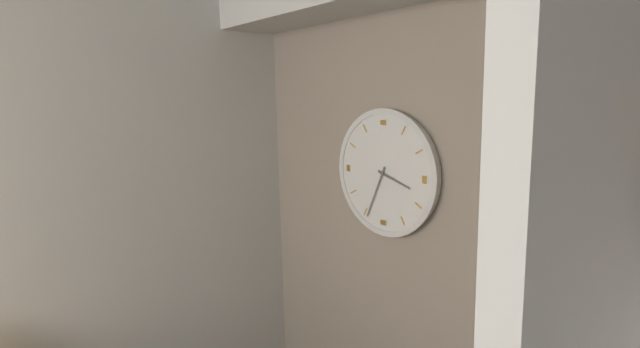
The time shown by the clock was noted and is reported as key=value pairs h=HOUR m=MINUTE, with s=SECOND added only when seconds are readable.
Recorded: h=3 m=34
